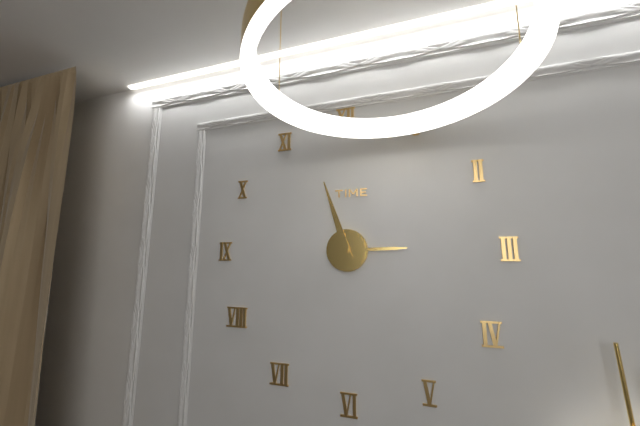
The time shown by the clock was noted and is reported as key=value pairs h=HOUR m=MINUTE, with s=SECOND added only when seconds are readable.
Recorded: h=2 m=57
